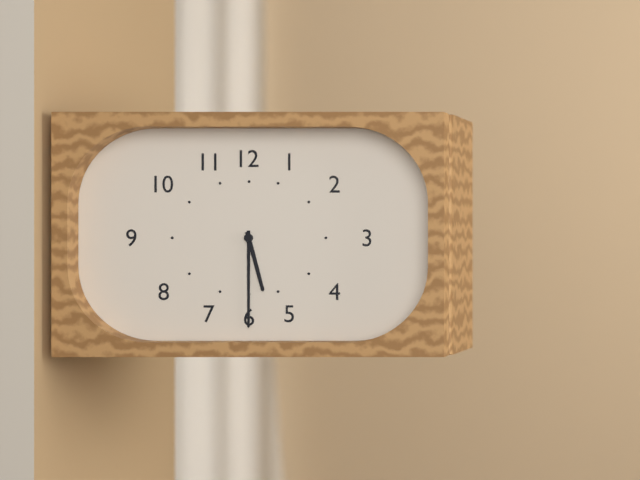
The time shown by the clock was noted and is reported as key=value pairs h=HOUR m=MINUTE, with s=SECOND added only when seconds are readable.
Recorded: h=5 m=30
